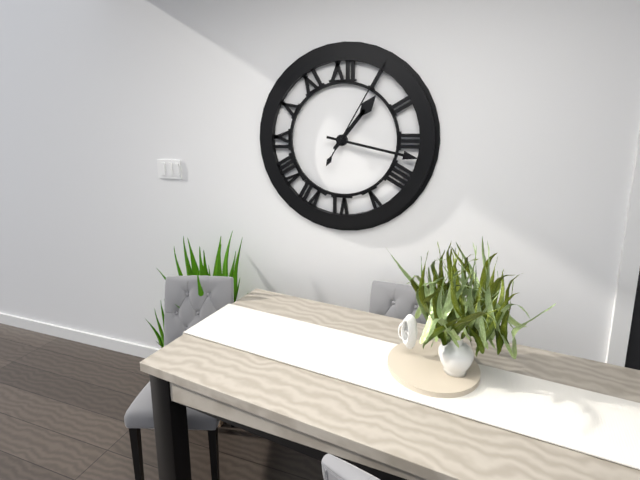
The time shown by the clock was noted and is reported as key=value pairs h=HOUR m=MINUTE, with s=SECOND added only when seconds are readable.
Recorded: h=1 m=17 s=5
